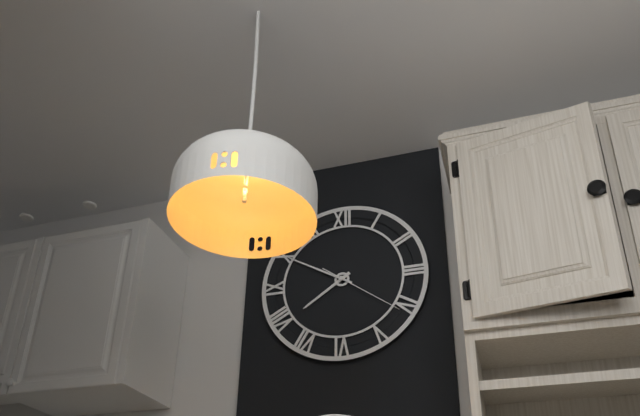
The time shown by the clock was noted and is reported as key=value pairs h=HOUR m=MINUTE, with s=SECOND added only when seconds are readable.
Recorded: h=7 m=50 s=21
